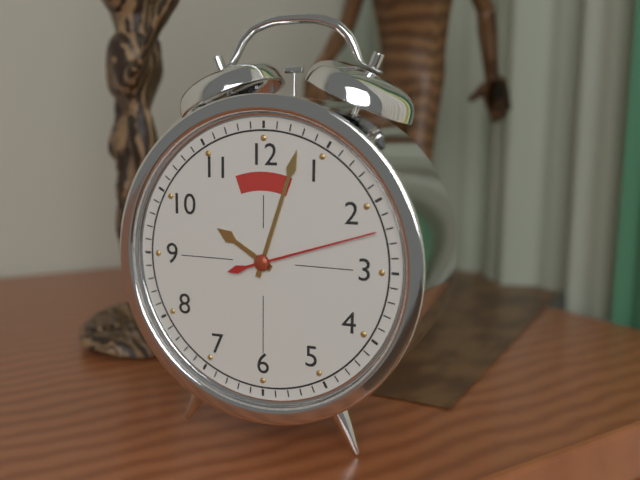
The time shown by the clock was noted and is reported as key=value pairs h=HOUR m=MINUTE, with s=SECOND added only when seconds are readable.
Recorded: h=10 m=3 s=12
